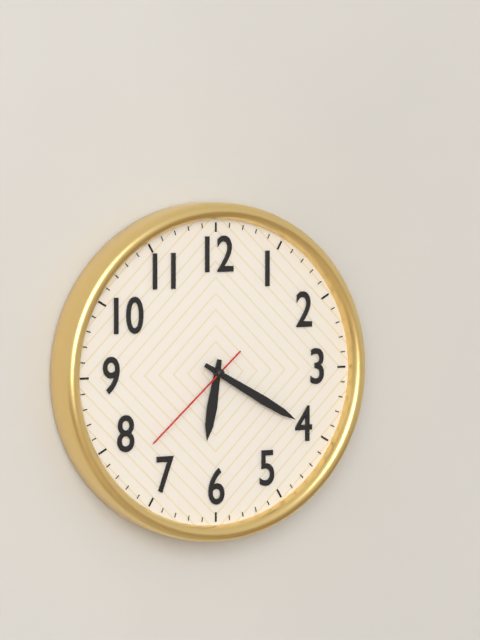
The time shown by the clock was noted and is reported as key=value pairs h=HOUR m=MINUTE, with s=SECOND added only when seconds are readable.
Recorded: h=6 m=20 s=38
